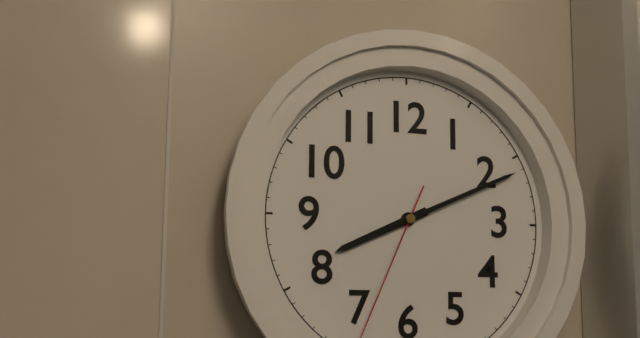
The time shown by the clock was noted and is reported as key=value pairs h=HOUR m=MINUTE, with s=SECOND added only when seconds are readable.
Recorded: h=8 m=11
